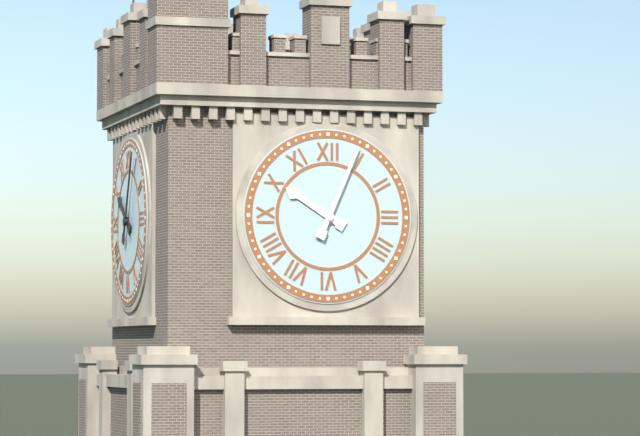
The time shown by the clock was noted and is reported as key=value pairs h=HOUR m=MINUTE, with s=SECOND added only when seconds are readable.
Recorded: h=10 m=4
